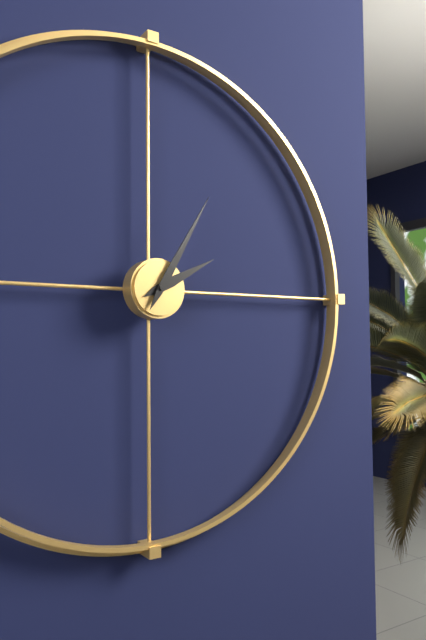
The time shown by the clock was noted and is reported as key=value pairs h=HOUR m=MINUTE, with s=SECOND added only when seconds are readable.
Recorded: h=2 m=5
